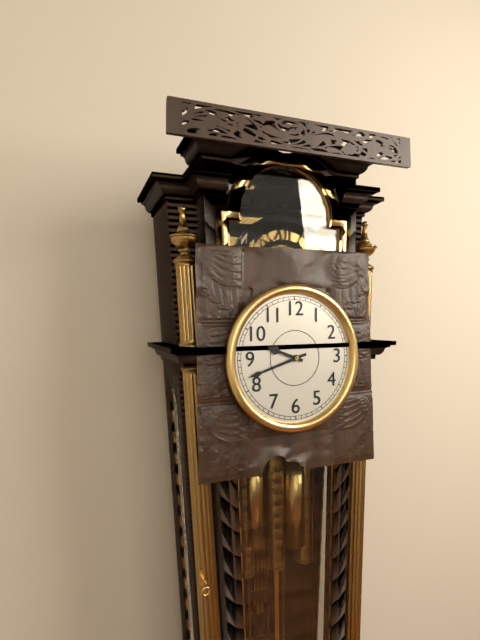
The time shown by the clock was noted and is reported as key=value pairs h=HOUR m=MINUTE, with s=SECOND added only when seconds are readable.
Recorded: h=9 m=42
